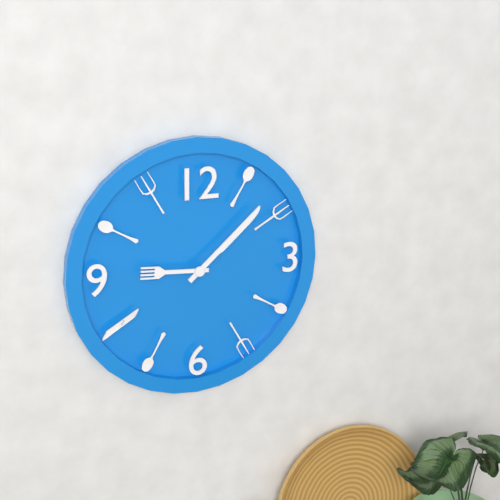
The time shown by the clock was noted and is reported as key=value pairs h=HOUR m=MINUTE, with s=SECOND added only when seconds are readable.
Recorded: h=9 m=8
